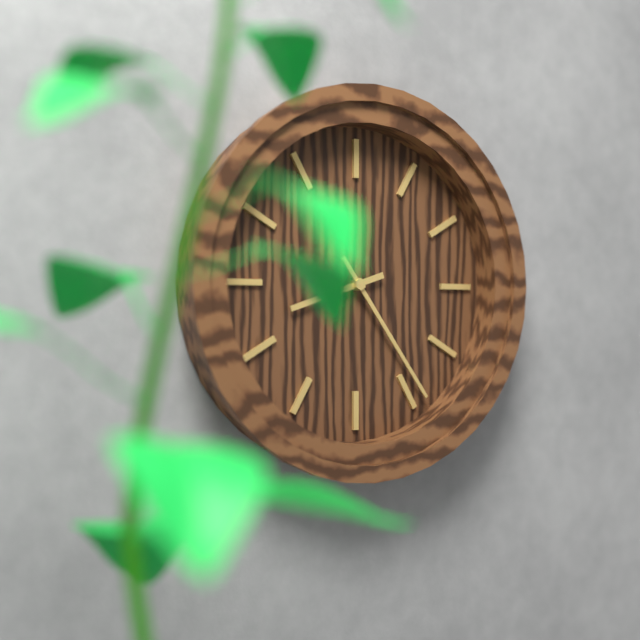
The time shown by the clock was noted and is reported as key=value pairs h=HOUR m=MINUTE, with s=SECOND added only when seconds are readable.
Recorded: h=8 m=24
